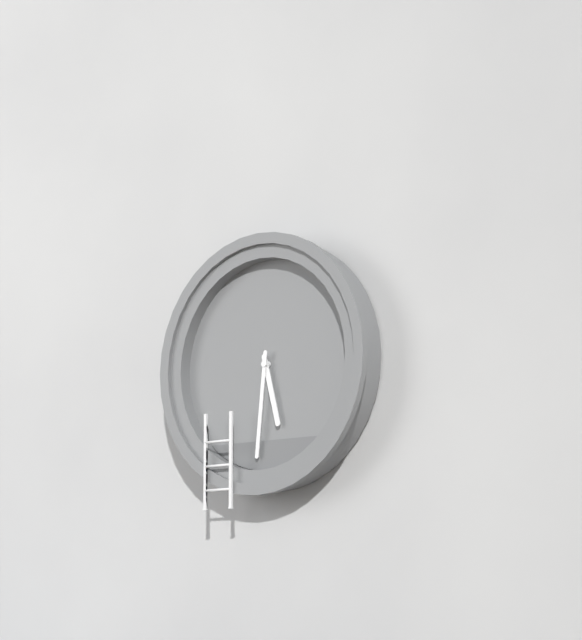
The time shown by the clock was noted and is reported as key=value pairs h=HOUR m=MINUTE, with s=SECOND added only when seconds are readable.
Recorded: h=5 m=31
